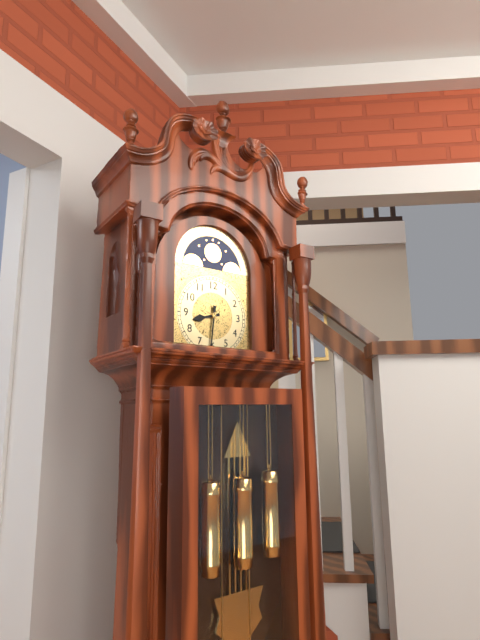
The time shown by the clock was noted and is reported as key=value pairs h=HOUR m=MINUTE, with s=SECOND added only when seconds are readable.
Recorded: h=8 m=31
